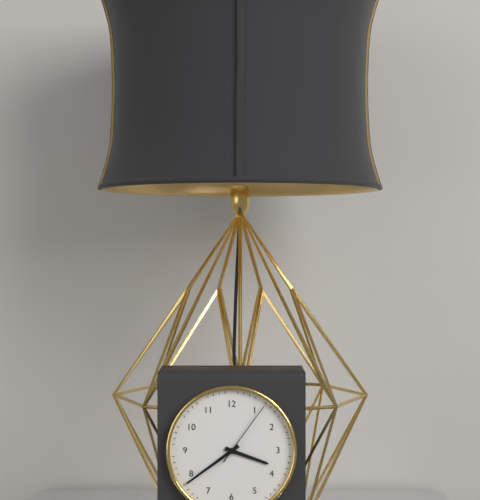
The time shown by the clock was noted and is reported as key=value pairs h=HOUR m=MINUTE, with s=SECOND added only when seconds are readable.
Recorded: h=3 m=39 s=6
